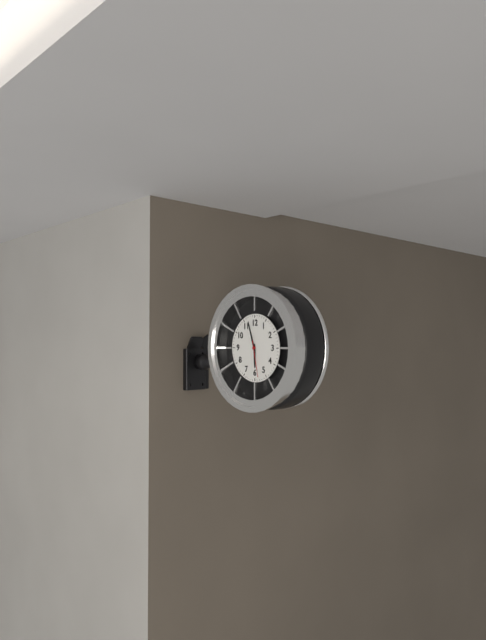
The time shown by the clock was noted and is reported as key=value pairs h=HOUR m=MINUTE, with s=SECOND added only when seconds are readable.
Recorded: h=5 m=57
